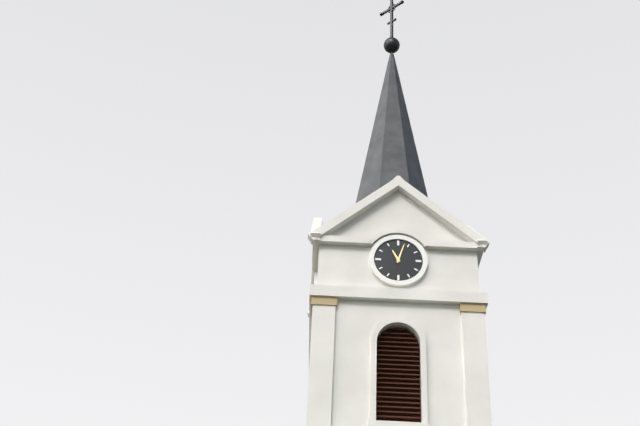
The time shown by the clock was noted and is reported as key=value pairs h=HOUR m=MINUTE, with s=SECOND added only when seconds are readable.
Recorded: h=11 m=3
